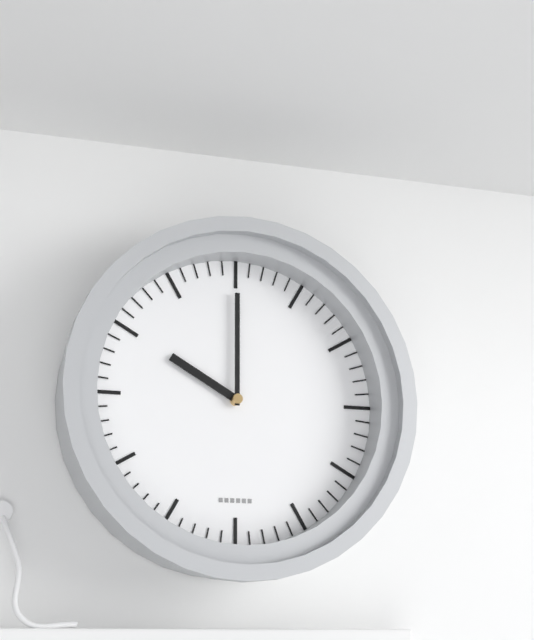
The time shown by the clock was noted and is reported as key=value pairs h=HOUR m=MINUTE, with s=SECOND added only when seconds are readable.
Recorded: h=10 m=0
